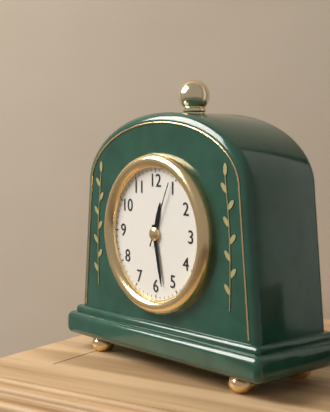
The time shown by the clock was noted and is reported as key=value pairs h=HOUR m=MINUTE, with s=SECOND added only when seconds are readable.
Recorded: h=12 m=28 s=4
